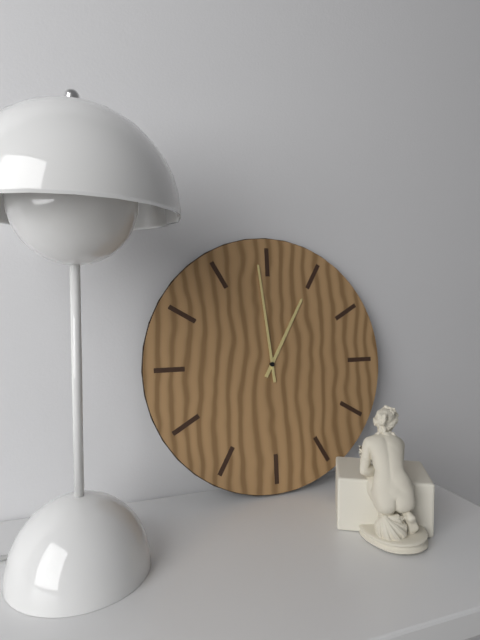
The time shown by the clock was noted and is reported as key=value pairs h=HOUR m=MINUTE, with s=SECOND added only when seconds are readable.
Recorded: h=12 m=59
